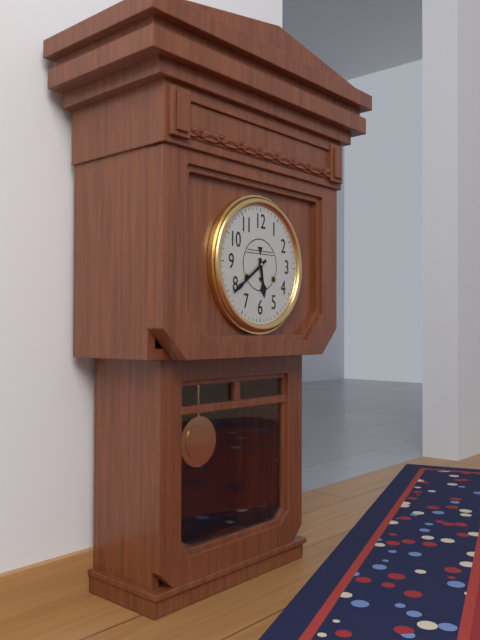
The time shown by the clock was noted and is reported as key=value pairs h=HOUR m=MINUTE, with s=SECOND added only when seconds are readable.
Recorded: h=5 m=39
